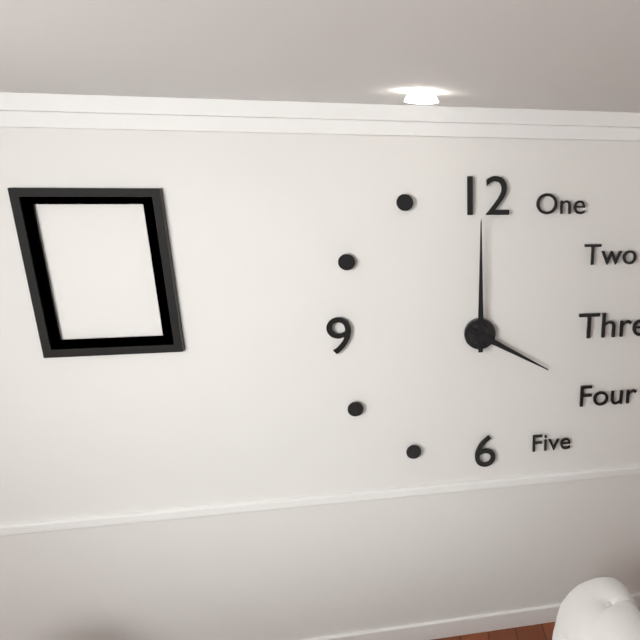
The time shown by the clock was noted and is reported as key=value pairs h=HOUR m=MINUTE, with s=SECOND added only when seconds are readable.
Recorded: h=4 m=0
